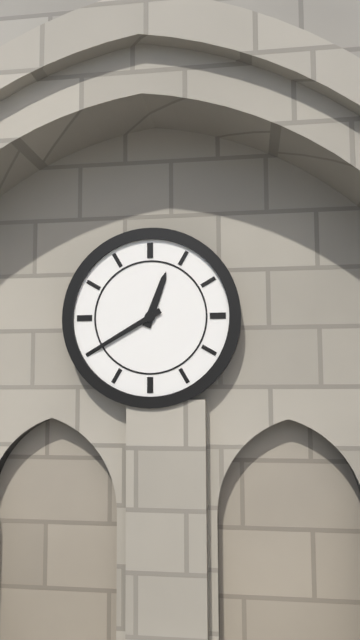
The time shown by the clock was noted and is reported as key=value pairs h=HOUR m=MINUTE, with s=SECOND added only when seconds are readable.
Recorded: h=12 m=40
